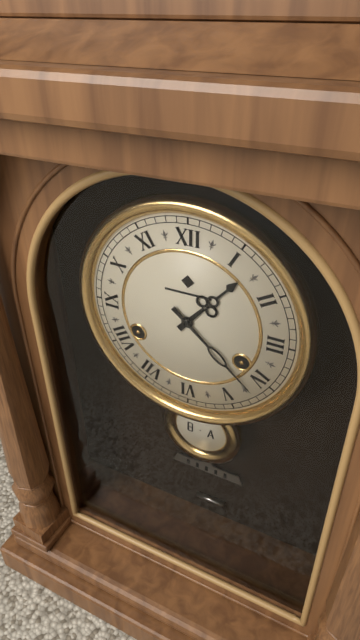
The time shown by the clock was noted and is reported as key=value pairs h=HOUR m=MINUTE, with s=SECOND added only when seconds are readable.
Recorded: h=1 m=22
